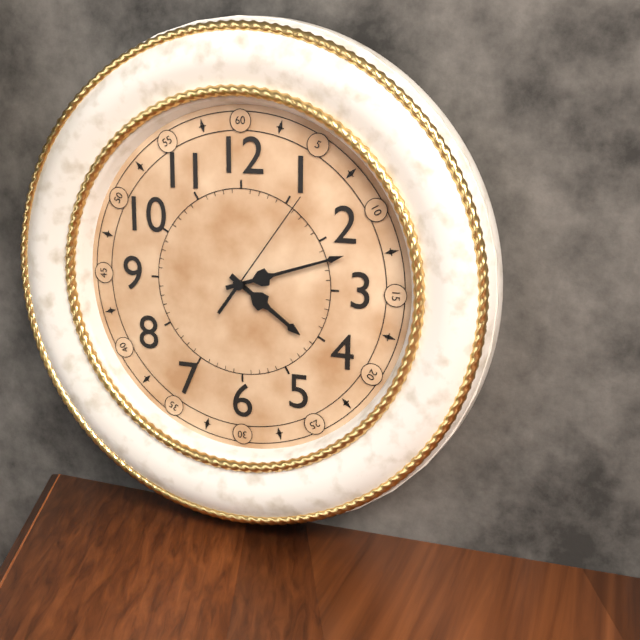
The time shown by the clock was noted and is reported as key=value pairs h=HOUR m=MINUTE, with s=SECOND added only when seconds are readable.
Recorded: h=4 m=12 s=6
